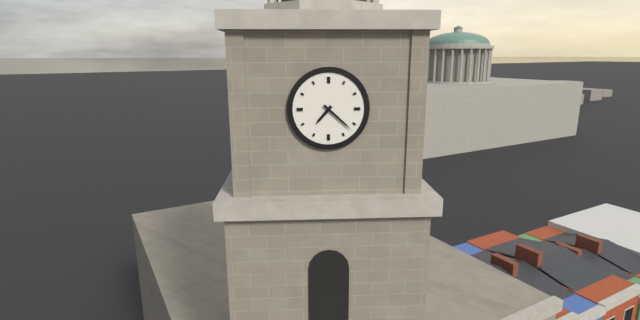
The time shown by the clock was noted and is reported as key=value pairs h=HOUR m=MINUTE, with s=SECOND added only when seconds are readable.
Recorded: h=7 m=22
